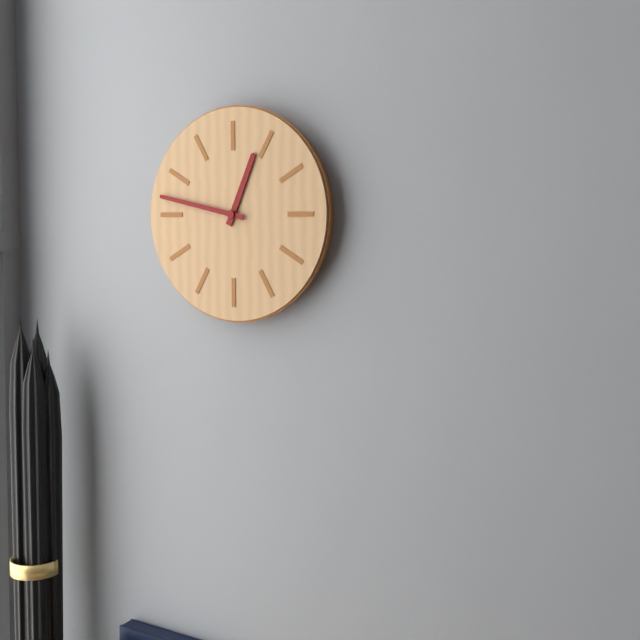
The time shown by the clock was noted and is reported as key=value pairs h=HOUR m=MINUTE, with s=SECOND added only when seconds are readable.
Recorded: h=12 m=47
